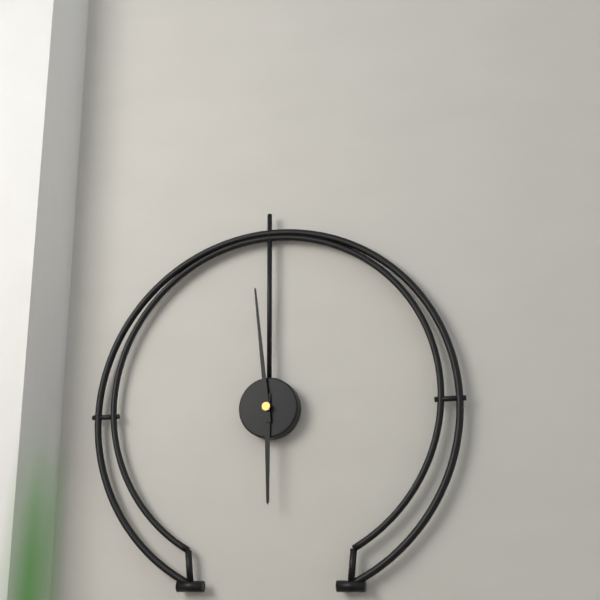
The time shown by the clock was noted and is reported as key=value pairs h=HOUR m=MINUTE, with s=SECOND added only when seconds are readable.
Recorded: h=5 m=59
